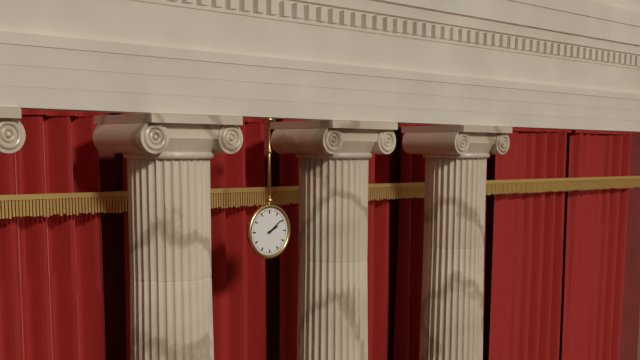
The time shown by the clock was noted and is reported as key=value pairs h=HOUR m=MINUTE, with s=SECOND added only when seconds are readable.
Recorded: h=2 m=9
